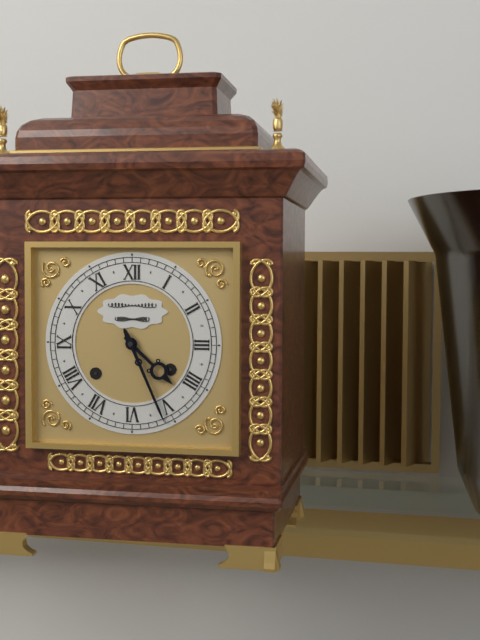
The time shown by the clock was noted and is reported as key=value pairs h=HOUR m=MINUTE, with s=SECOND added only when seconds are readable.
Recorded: h=4 m=26
